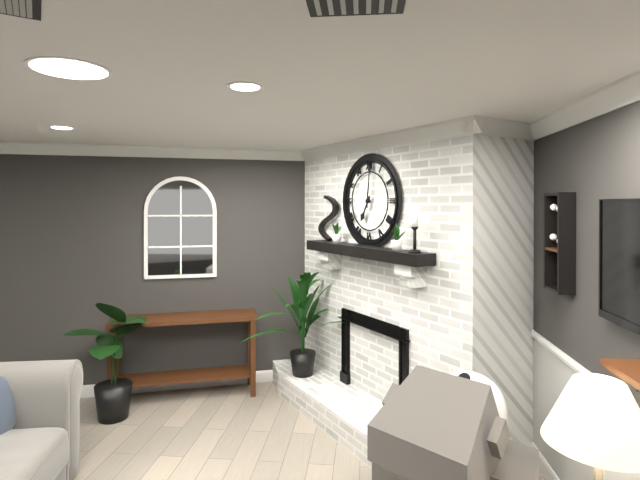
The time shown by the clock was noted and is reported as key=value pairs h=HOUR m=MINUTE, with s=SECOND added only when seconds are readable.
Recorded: h=7 m=1
